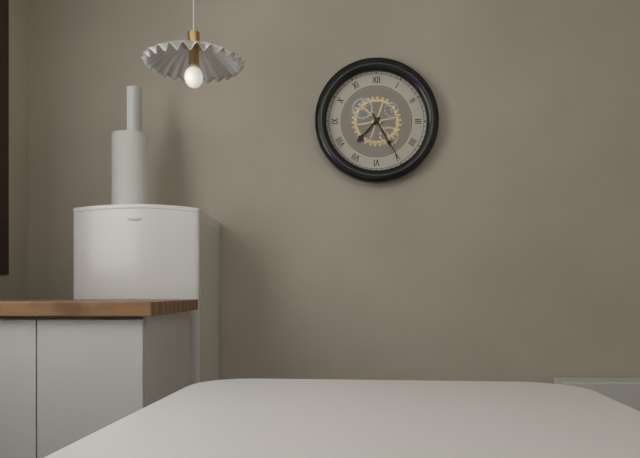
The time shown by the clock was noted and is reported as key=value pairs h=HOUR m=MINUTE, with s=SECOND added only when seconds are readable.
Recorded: h=7 m=25
